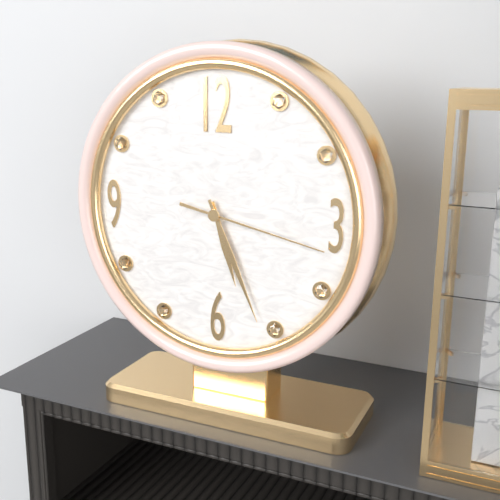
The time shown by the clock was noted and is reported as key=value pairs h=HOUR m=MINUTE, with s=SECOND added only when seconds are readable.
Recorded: h=5 m=26 s=17
